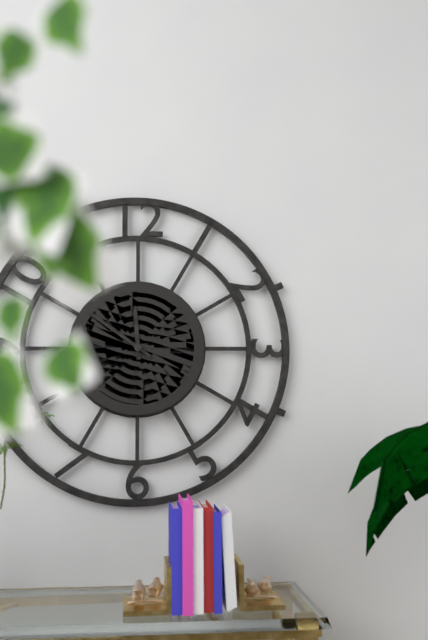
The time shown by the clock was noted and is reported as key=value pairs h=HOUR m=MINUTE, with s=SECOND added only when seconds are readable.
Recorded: h=11 m=51
